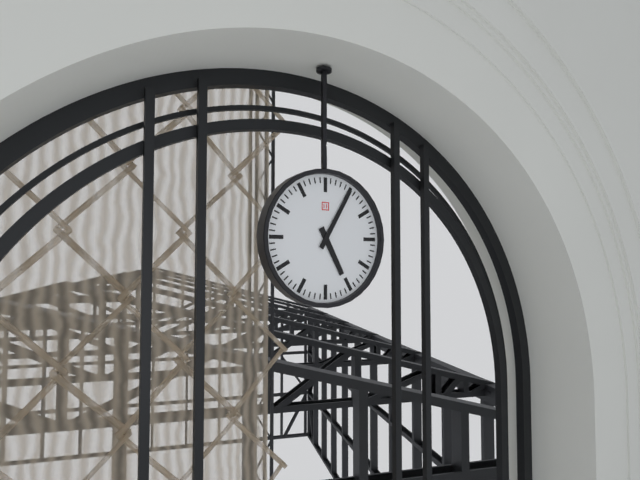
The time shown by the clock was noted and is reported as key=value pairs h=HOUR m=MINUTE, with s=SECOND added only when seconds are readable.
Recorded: h=5 m=5
